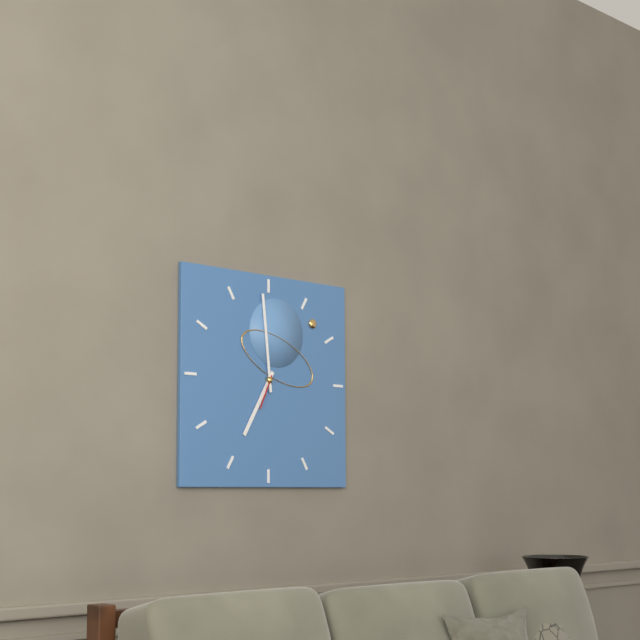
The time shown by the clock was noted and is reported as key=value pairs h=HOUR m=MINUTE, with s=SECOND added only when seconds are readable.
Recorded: h=6 m=59
